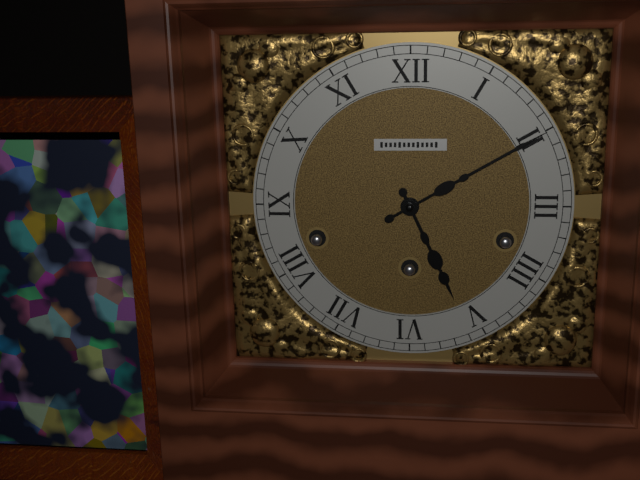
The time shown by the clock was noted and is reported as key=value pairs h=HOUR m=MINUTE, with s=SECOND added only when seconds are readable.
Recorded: h=5 m=10
